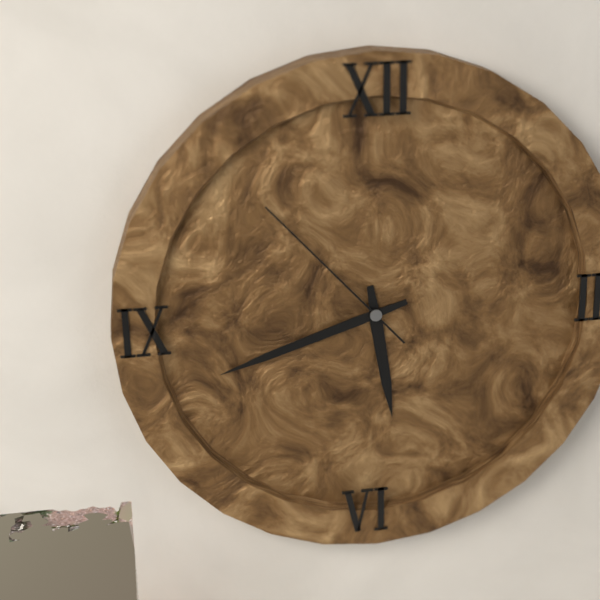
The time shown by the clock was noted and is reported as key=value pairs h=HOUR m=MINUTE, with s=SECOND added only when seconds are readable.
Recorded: h=5 m=42 s=53
